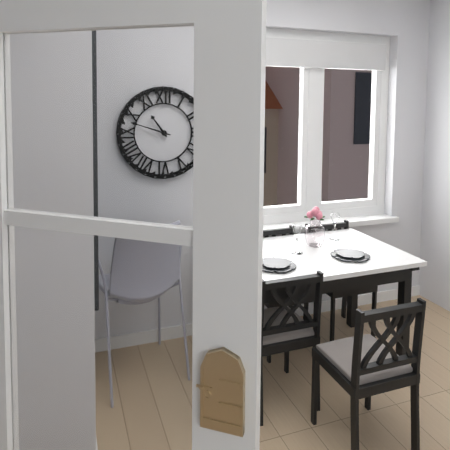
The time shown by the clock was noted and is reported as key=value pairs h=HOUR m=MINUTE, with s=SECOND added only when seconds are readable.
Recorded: h=10 m=48
